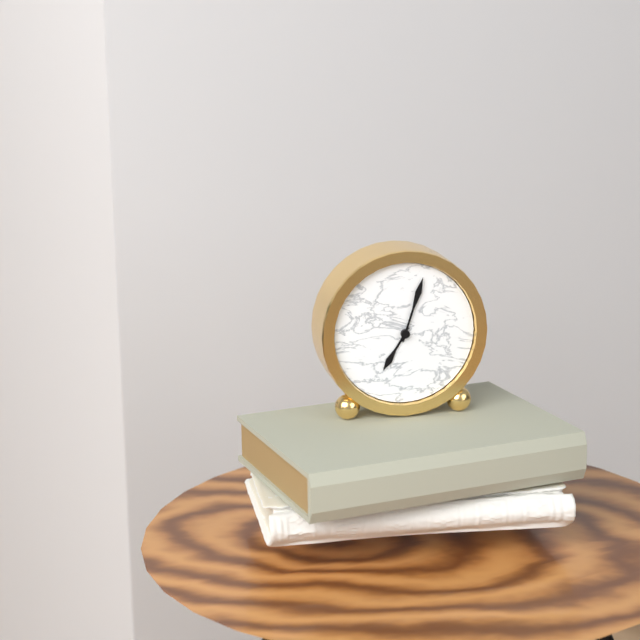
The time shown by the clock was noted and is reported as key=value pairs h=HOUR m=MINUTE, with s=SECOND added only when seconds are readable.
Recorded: h=7 m=3
